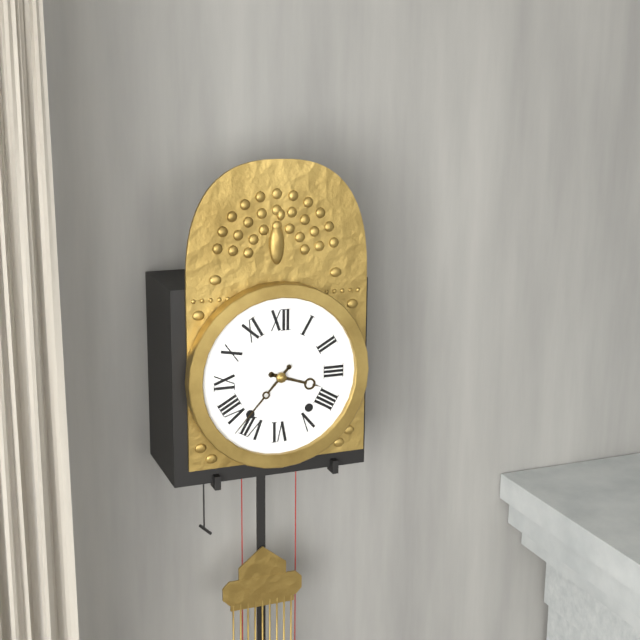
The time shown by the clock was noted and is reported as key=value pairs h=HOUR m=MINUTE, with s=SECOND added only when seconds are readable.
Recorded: h=3 m=37
